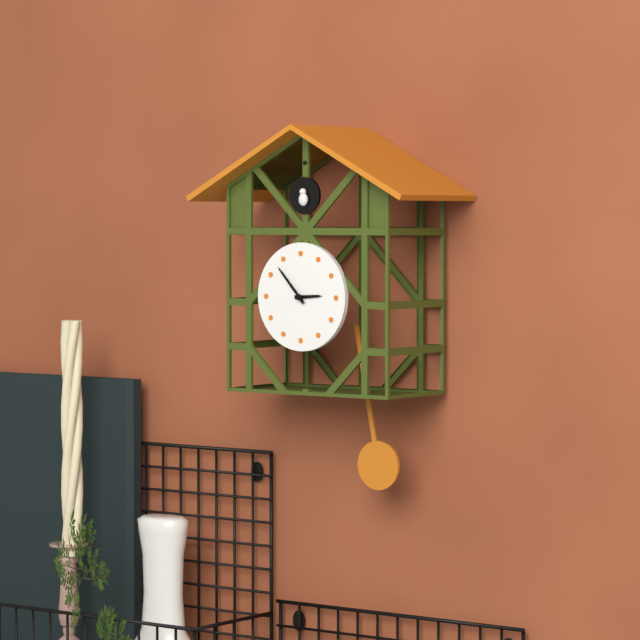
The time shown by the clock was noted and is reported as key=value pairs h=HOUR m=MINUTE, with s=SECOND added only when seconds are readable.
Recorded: h=2 m=53
